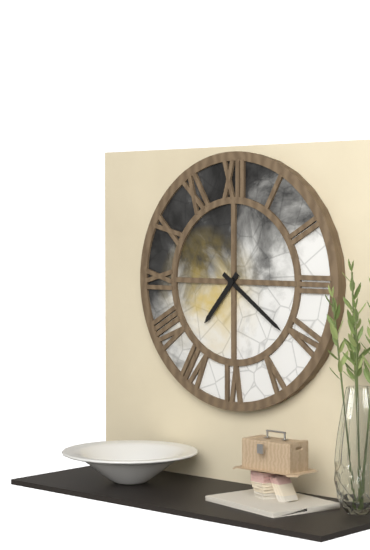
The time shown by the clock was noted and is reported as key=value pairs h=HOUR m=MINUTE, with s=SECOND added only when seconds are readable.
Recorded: h=7 m=21
